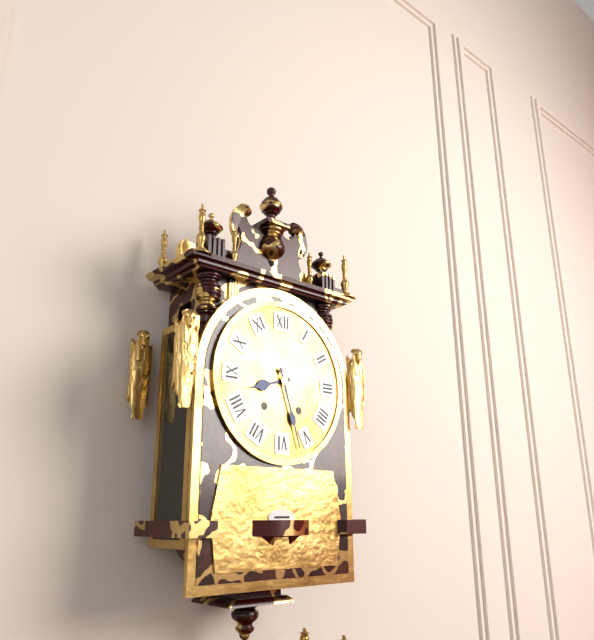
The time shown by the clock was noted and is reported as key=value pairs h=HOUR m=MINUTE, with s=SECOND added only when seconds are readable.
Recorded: h=8 m=27
